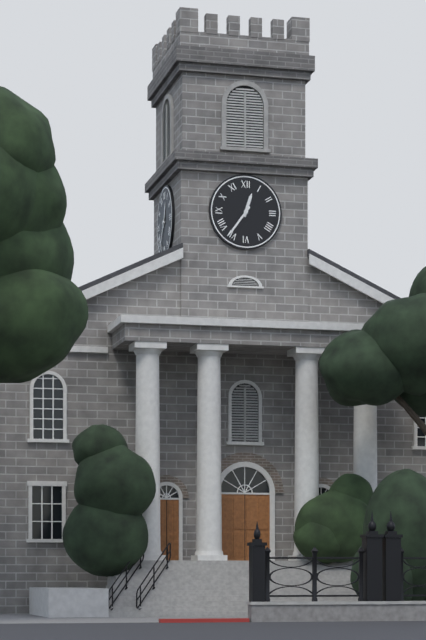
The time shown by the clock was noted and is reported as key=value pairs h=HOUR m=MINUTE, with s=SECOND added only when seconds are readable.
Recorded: h=12 m=36
